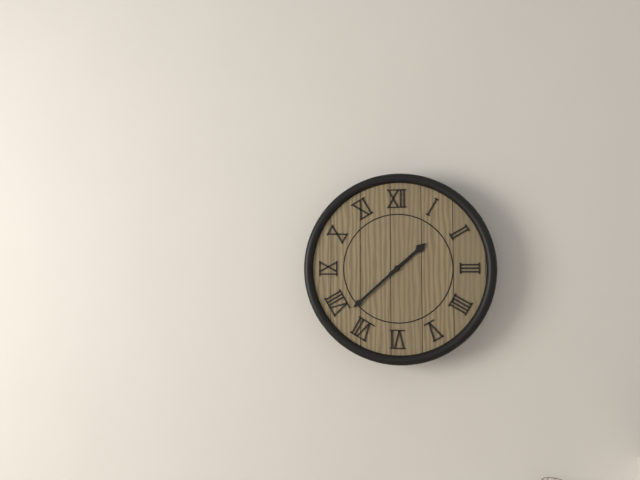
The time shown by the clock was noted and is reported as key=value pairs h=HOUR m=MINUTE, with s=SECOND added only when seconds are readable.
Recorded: h=1 m=38
